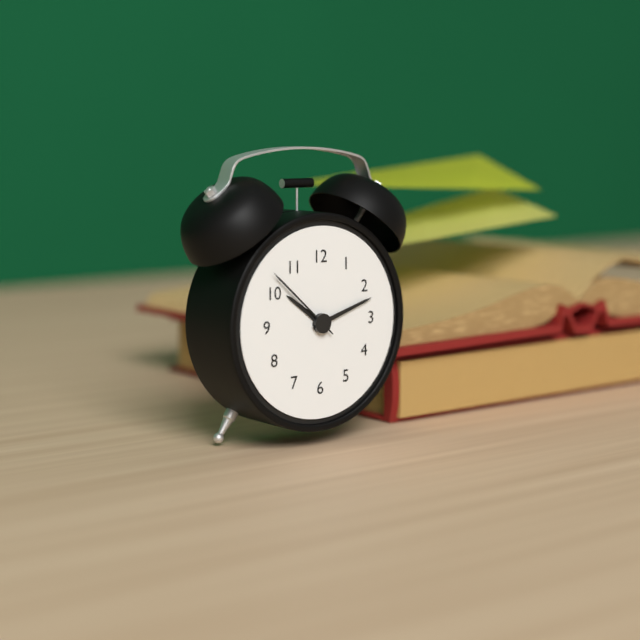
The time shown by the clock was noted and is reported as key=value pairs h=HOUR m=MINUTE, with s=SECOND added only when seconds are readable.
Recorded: h=10 m=12 s=52
